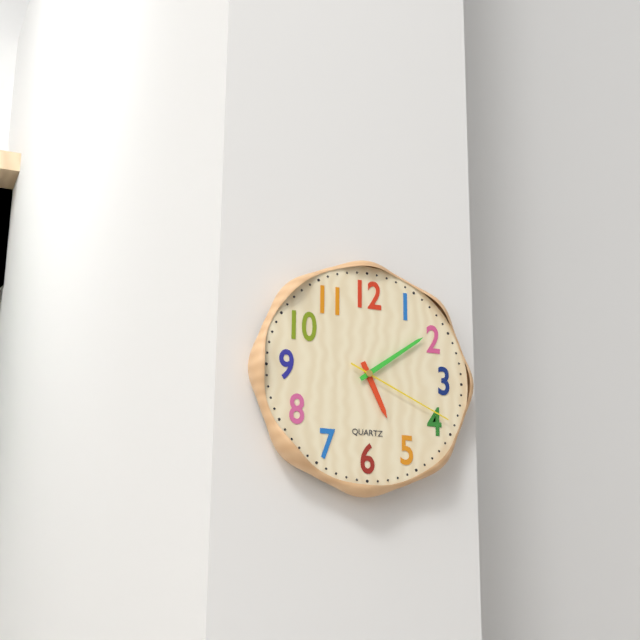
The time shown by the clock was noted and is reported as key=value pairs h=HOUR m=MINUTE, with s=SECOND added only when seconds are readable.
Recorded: h=5 m=9 s=19
